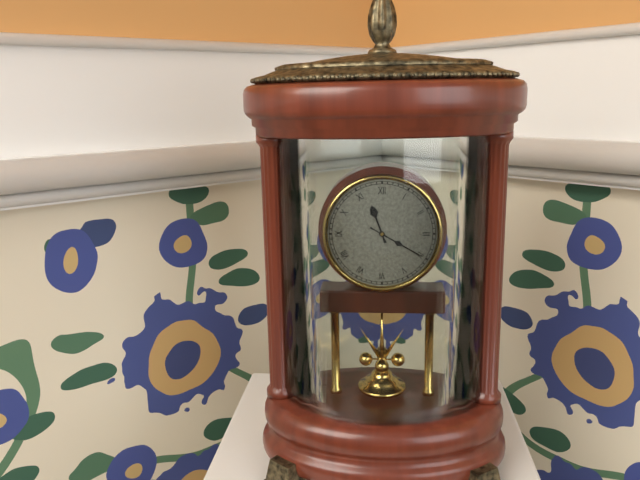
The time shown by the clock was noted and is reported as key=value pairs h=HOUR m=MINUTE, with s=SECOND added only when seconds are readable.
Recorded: h=11 m=20
